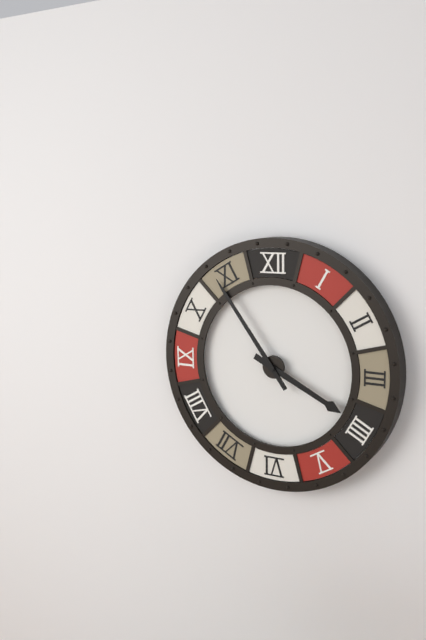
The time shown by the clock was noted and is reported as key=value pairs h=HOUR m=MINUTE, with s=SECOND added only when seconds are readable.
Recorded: h=3 m=54
